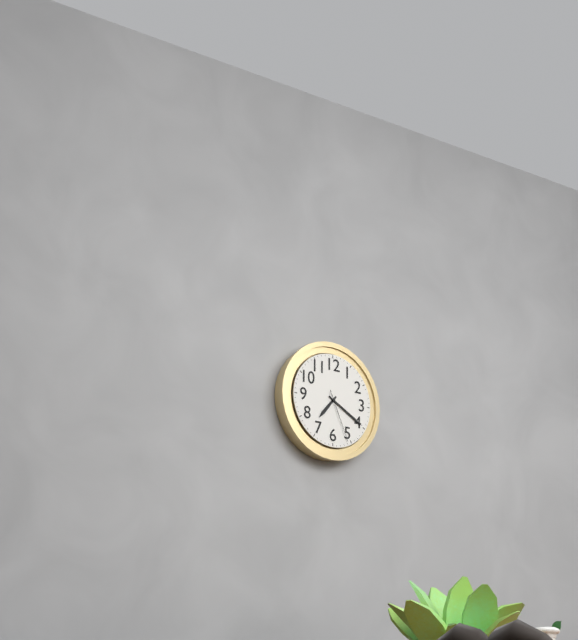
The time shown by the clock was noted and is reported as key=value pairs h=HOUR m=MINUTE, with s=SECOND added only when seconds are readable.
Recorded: h=7 m=20 s=26
